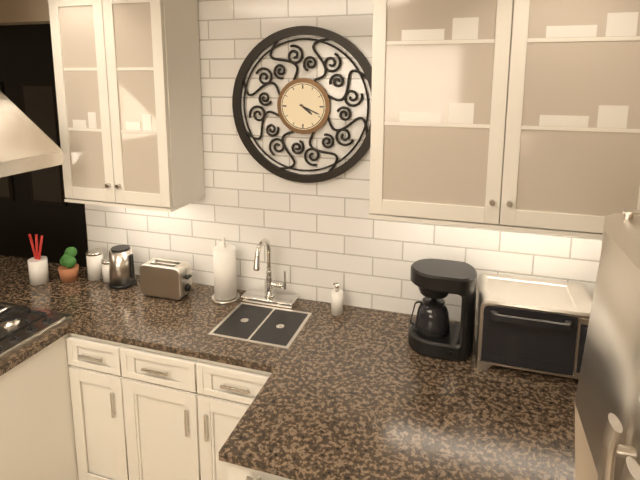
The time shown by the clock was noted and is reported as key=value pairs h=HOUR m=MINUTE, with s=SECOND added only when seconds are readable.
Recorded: h=4 m=19
